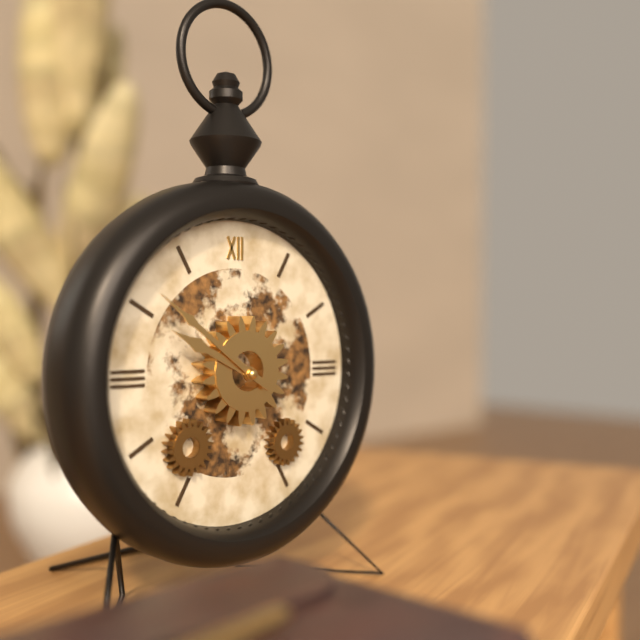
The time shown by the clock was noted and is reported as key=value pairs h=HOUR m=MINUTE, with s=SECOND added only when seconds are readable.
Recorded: h=9 m=51
